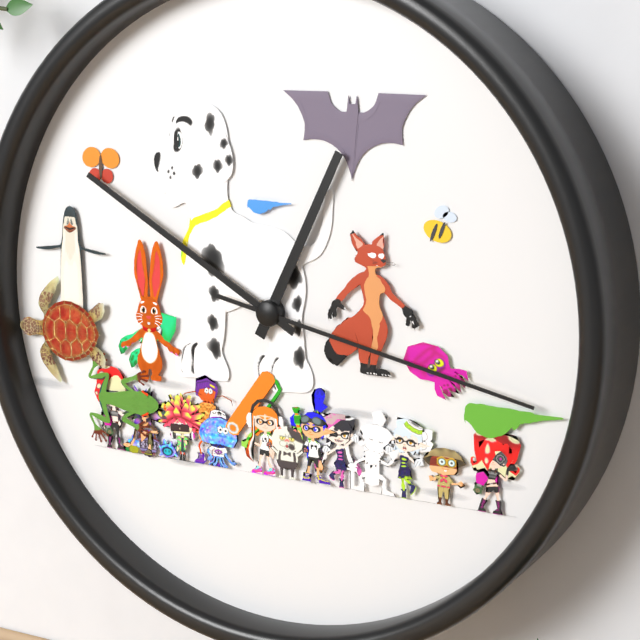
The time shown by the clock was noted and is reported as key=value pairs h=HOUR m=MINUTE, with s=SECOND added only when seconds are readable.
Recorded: h=12 m=50 s=17
